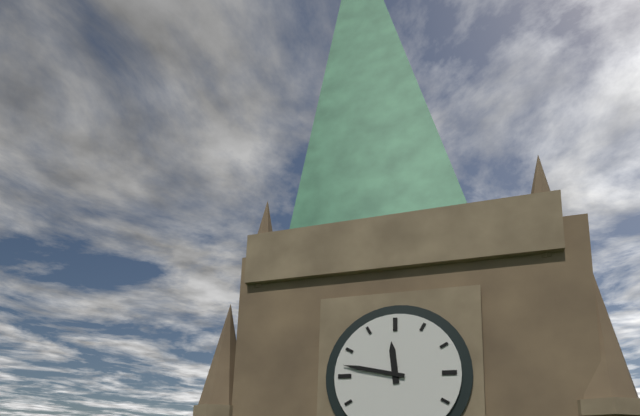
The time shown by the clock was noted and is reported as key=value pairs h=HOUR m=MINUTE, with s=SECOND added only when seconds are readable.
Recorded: h=11 m=47
